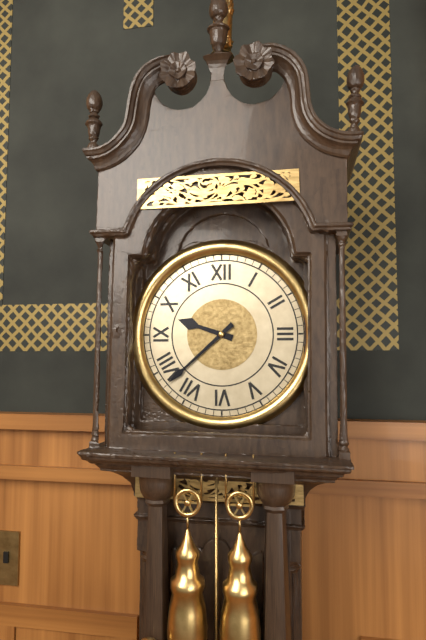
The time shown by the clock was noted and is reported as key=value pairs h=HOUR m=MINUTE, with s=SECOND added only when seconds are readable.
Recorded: h=9 m=38
